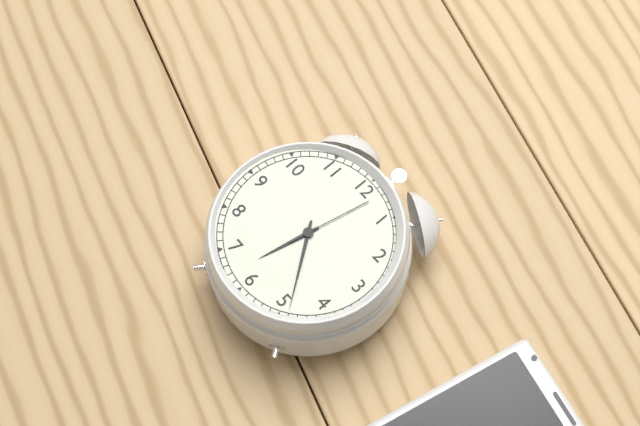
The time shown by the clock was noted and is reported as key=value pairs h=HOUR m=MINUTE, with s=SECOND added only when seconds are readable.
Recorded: h=6 m=24 s=2
